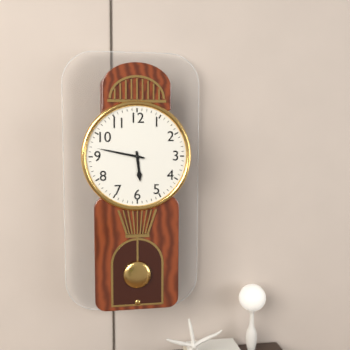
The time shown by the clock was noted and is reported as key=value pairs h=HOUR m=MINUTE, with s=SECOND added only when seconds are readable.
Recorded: h=5 m=47
